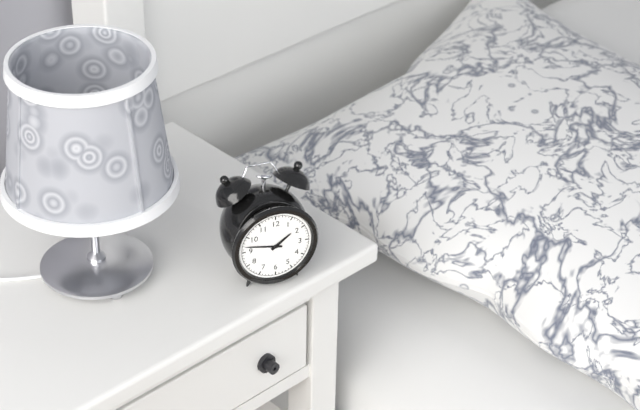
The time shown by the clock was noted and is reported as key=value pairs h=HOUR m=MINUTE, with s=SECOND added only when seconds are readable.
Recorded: h=1 m=47
